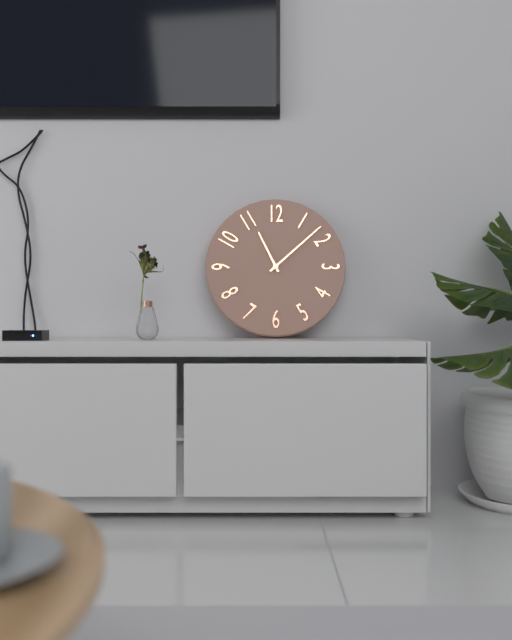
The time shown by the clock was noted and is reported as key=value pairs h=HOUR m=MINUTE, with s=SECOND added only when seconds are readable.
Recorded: h=11 m=8
